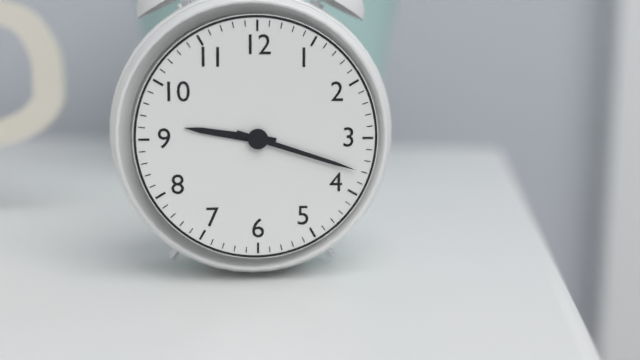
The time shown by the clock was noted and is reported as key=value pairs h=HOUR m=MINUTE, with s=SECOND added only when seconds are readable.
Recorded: h=9 m=18
